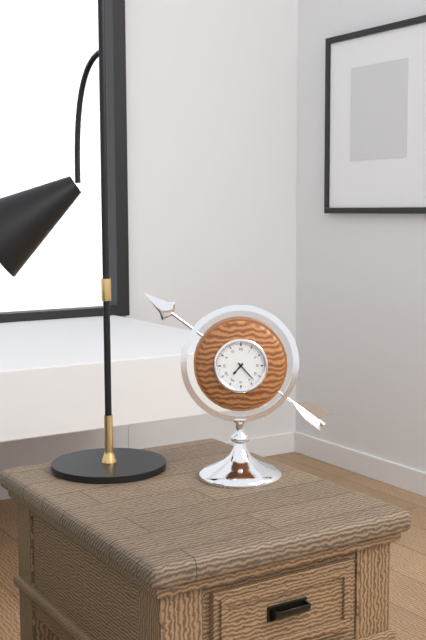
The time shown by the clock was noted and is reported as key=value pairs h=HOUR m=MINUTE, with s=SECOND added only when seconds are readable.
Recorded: h=7 m=23
